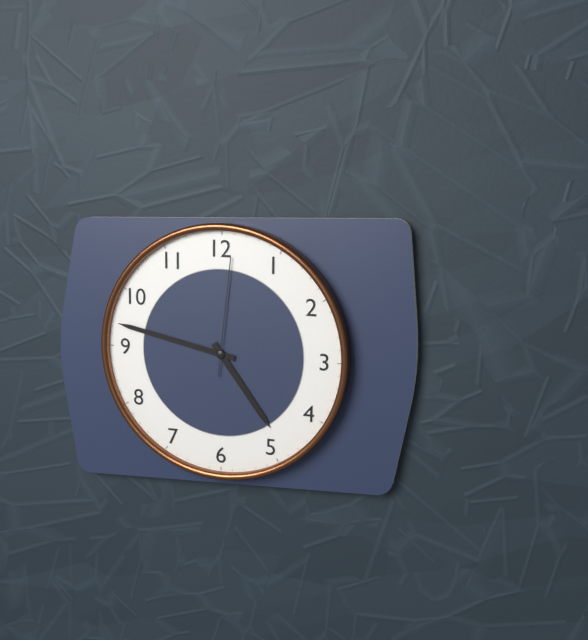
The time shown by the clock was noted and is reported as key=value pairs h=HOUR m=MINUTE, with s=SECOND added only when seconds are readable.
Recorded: h=4 m=47 s=1
